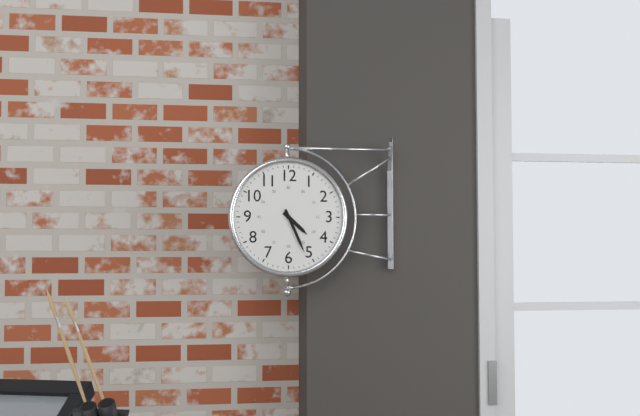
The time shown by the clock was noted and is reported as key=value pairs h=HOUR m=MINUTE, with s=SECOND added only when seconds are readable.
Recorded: h=4 m=26
